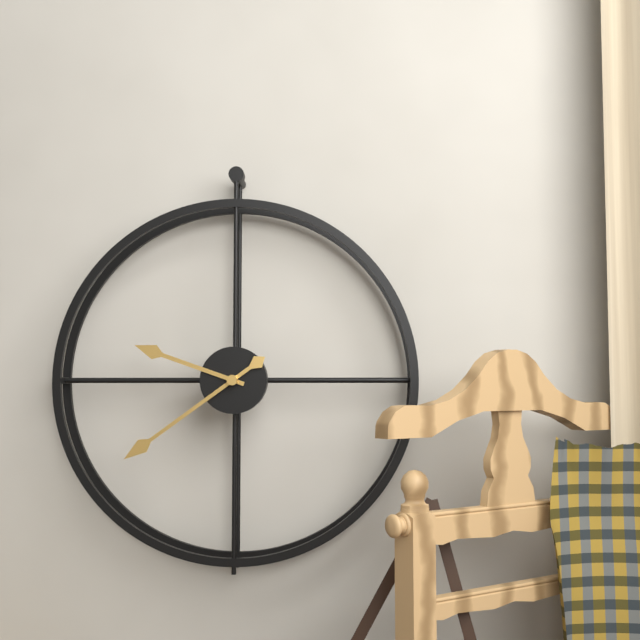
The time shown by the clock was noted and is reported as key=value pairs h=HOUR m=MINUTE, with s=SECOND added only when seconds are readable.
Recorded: h=9 m=39
